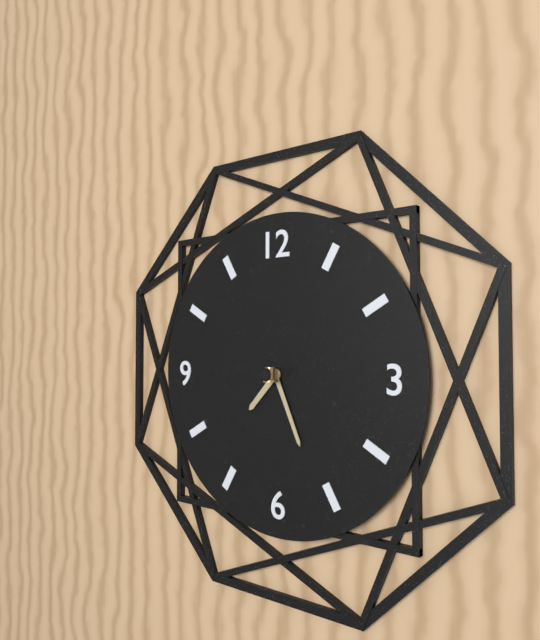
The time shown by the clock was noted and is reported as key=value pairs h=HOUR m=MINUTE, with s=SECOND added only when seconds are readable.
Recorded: h=7 m=26
